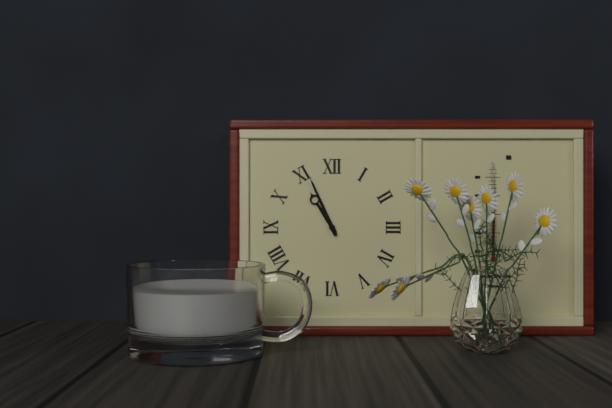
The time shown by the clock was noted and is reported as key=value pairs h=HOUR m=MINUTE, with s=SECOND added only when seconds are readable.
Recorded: h=10 m=56
